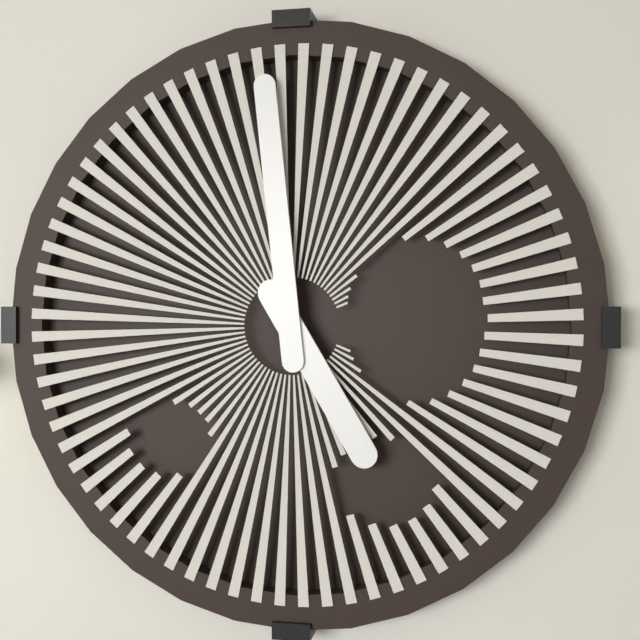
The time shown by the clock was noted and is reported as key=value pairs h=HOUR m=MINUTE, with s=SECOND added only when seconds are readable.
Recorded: h=4 m=59
